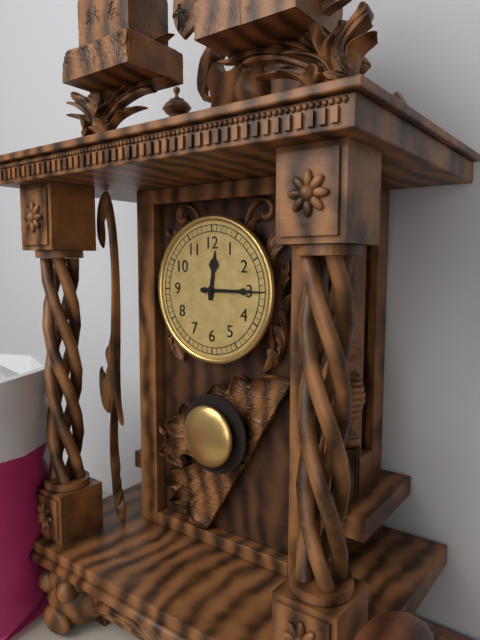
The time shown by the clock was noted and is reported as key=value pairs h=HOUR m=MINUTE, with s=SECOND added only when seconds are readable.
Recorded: h=12 m=15
